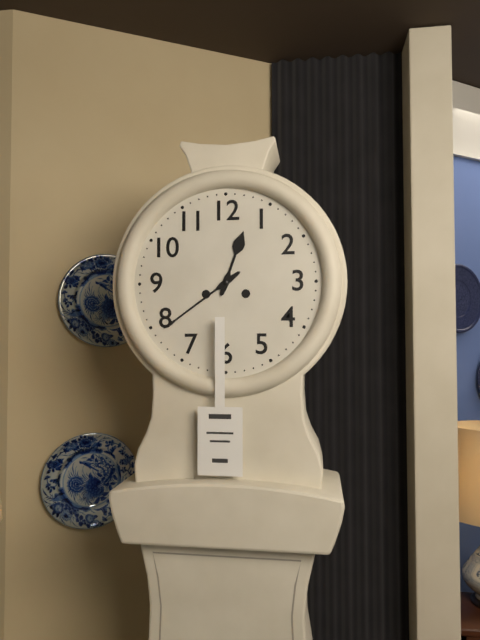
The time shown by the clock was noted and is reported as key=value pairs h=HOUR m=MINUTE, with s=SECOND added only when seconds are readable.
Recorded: h=12 m=39
